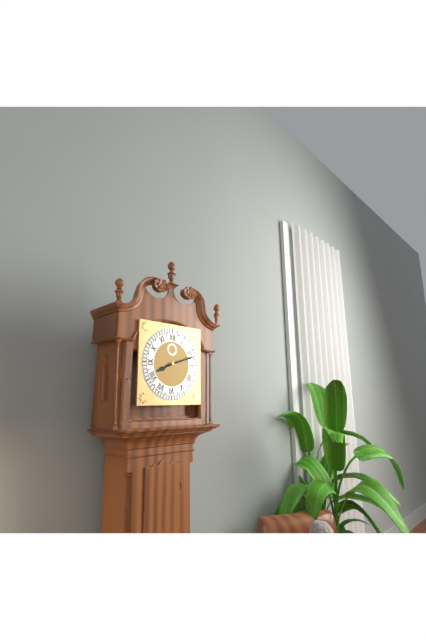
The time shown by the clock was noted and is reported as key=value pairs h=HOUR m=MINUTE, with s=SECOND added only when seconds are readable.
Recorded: h=8 m=12
